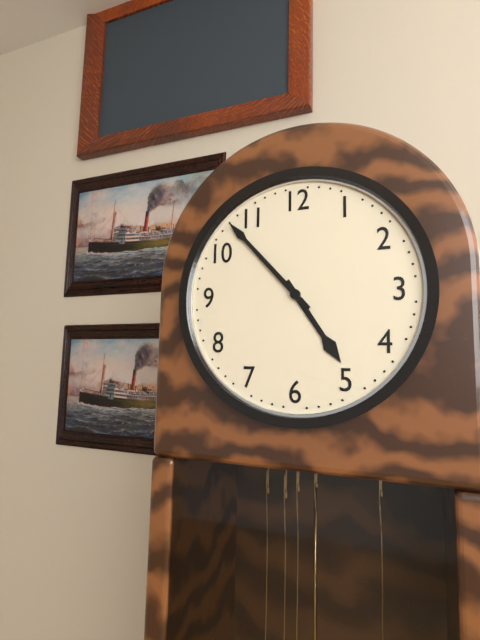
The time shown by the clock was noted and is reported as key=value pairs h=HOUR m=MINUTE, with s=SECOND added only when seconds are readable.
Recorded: h=4 m=53
